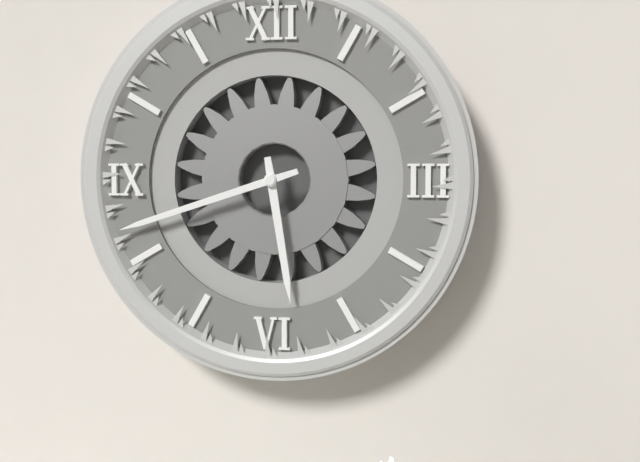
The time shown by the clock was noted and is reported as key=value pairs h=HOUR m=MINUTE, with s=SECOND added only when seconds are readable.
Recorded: h=5 m=42
